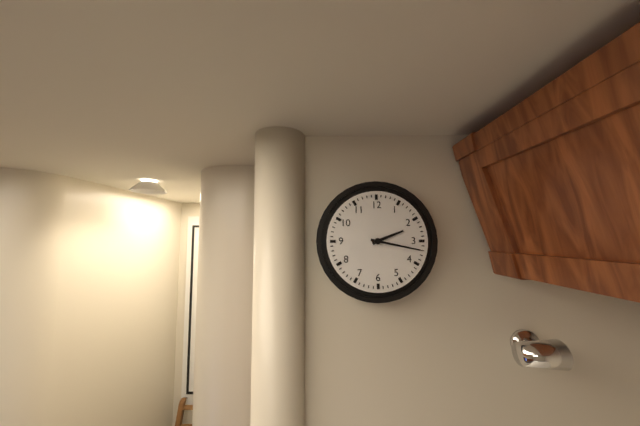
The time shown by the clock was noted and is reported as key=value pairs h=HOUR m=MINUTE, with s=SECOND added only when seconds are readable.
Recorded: h=2 m=17
